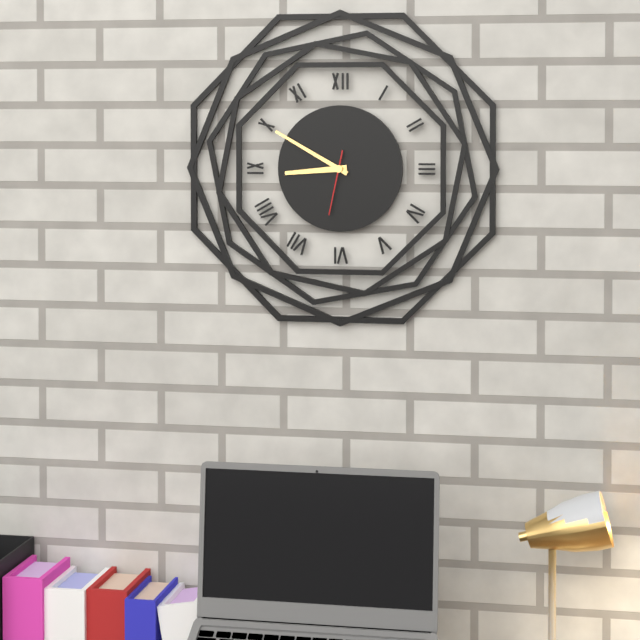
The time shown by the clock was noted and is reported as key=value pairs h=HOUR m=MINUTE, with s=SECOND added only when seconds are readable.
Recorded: h=8 m=50 s=32
